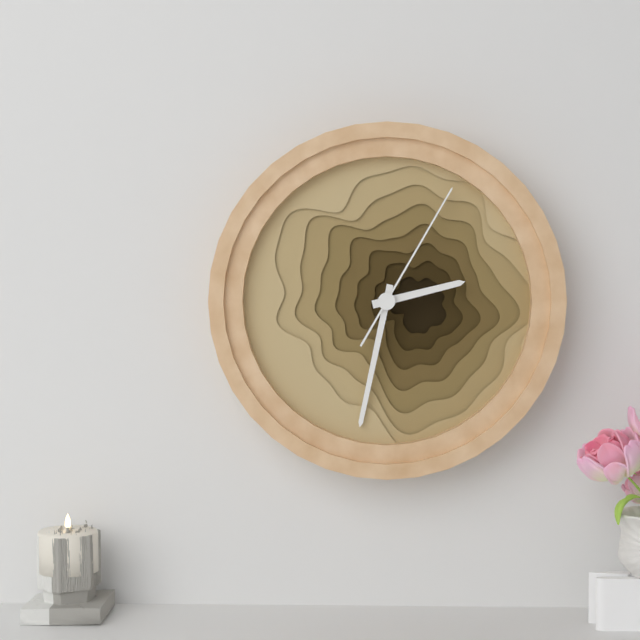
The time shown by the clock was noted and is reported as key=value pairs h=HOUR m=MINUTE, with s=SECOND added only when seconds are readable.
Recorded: h=2 m=32 s=5
